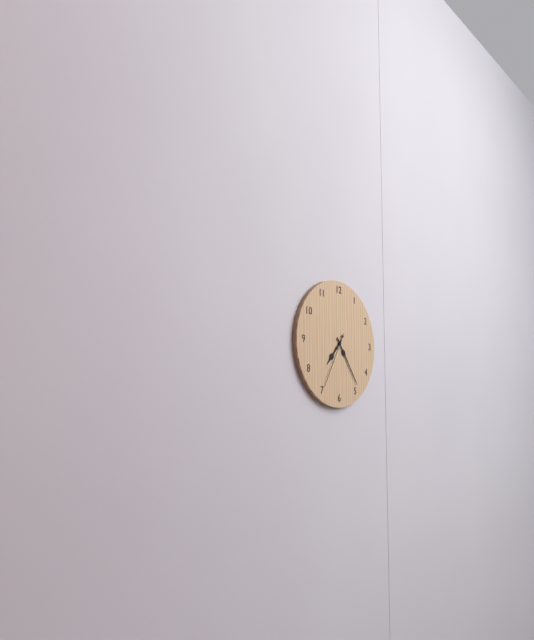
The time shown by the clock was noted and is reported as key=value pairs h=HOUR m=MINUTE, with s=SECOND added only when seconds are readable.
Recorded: h=7 m=24 s=35
